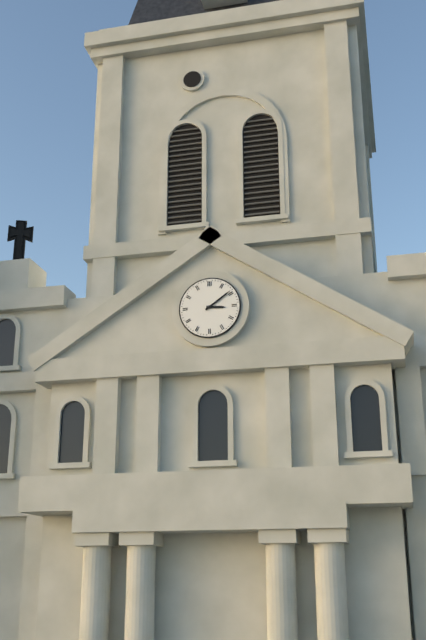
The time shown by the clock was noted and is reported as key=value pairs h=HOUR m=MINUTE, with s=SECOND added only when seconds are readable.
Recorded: h=3 m=9
